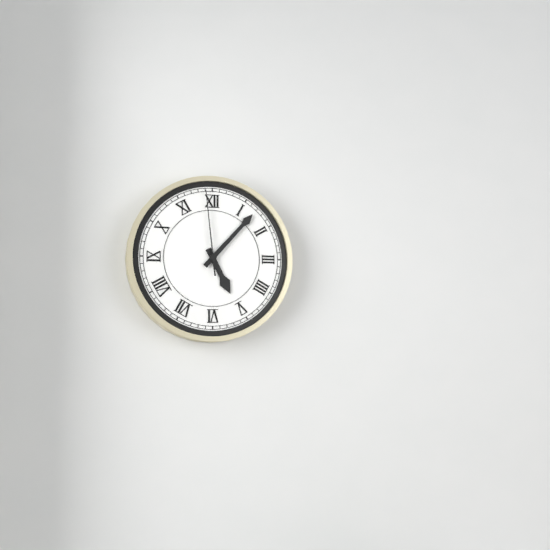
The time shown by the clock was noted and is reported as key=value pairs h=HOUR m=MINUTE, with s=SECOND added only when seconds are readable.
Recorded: h=5 m=7 s=59
